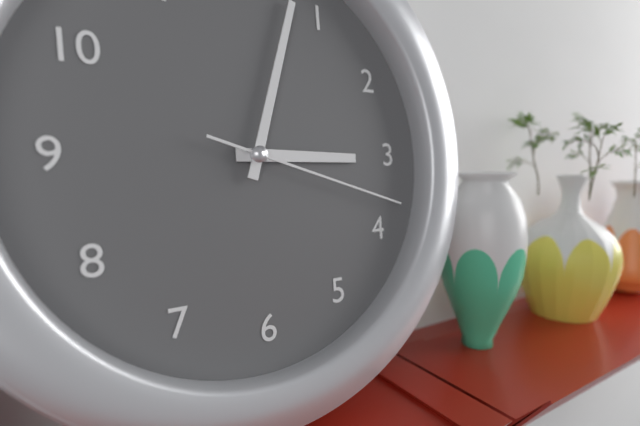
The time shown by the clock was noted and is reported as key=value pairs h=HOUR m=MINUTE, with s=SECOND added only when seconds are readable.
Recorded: h=3 m=3 s=18
